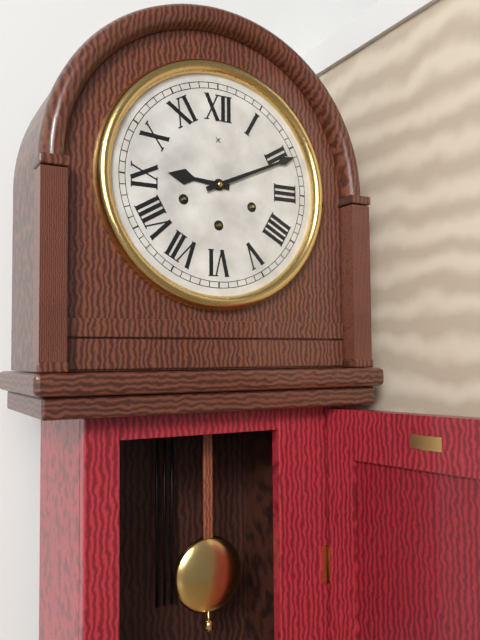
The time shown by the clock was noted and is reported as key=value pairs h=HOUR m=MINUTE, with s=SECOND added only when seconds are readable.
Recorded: h=9 m=11
